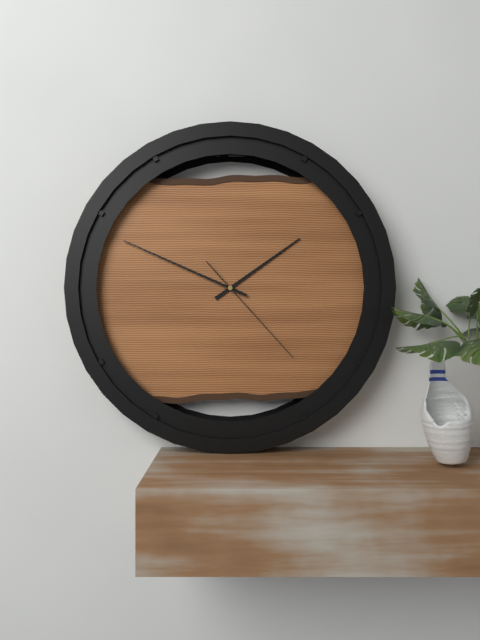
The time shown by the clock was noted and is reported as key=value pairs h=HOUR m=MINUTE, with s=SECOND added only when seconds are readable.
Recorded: h=1 m=49 s=23
